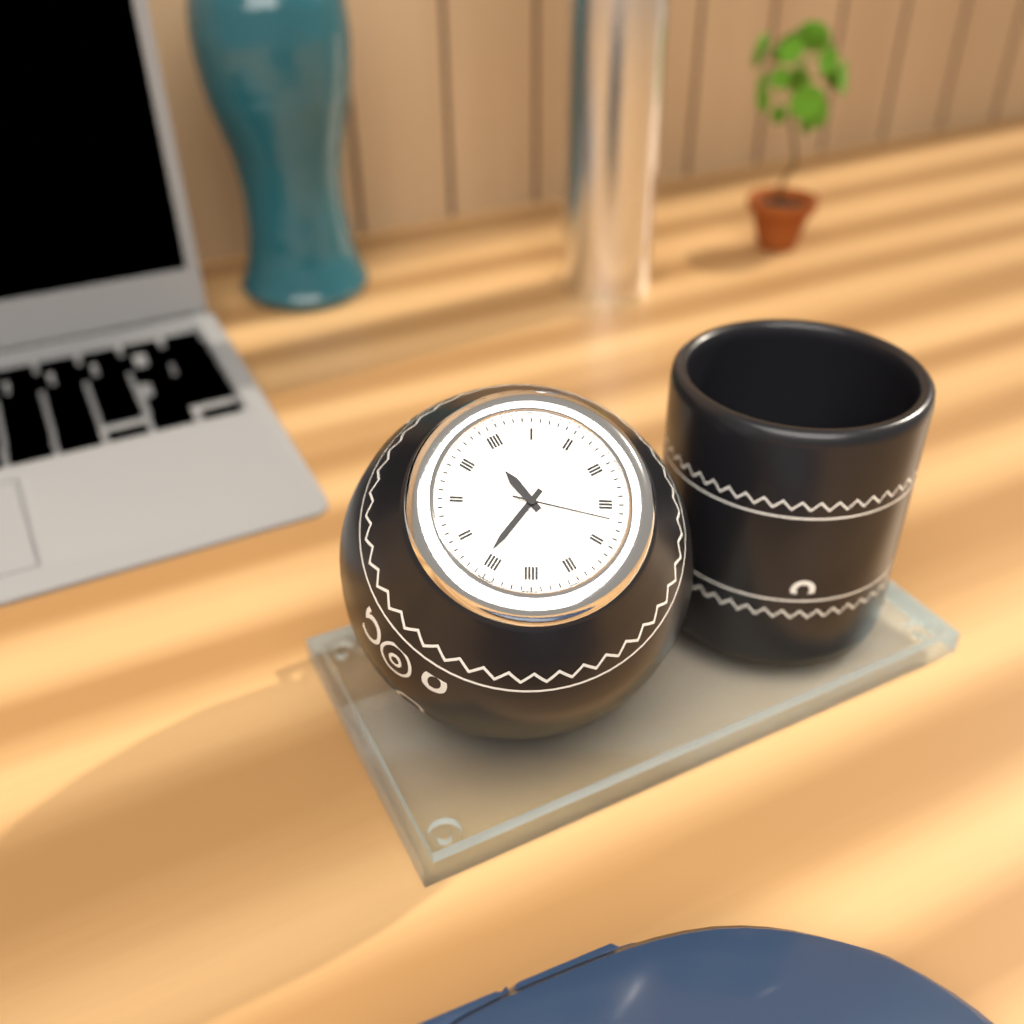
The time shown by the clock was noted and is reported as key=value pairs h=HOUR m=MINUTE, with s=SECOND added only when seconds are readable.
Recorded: h=11 m=41 s=22
